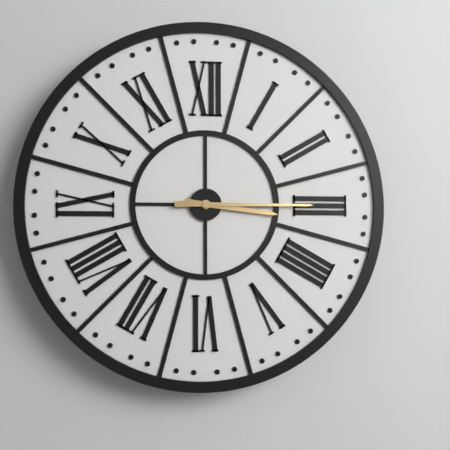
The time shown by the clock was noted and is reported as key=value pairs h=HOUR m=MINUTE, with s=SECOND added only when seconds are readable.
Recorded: h=3 m=15
